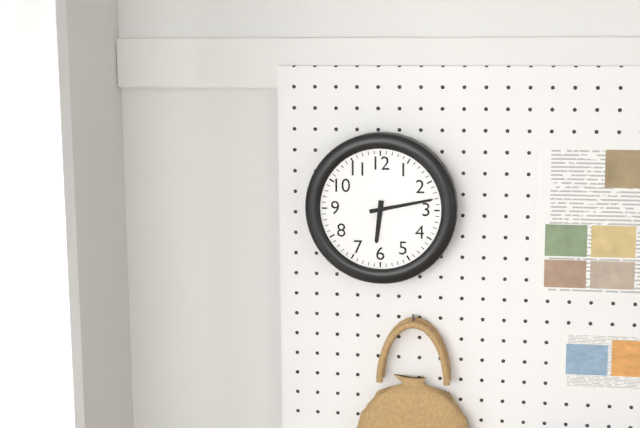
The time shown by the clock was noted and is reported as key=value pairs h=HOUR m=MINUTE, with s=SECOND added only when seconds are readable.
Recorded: h=6 m=13
